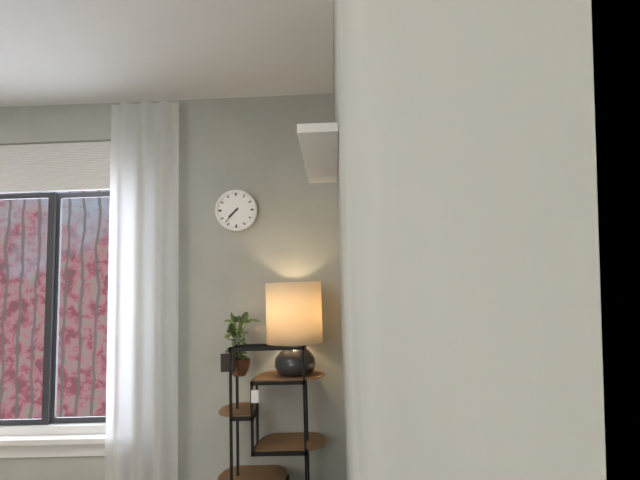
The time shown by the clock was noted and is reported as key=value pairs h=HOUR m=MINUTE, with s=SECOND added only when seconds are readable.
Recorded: h=7 m=37
